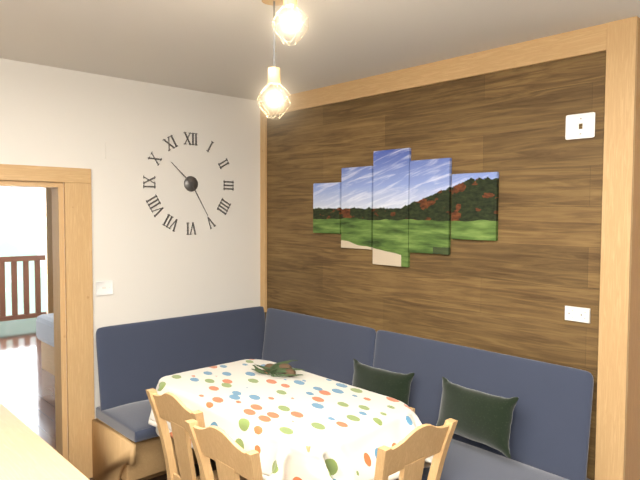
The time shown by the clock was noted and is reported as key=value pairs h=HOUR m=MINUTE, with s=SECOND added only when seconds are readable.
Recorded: h=10 m=25
